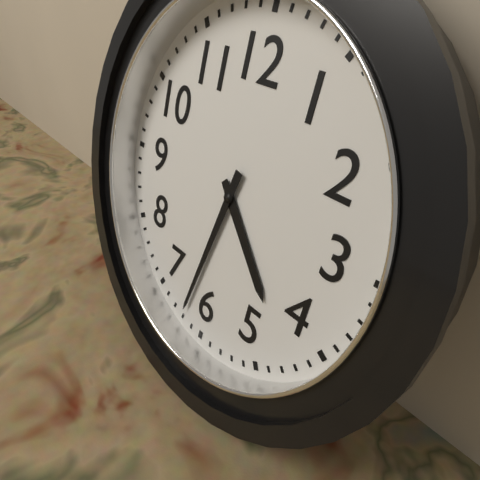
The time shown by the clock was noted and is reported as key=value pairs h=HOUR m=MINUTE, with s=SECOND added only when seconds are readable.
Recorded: h=4 m=32
